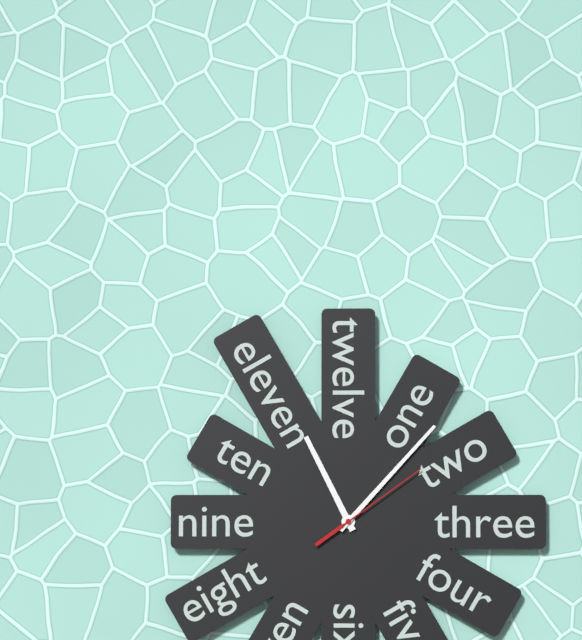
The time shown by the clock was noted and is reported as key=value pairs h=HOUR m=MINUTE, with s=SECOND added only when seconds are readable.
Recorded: h=11 m=7 s=9
